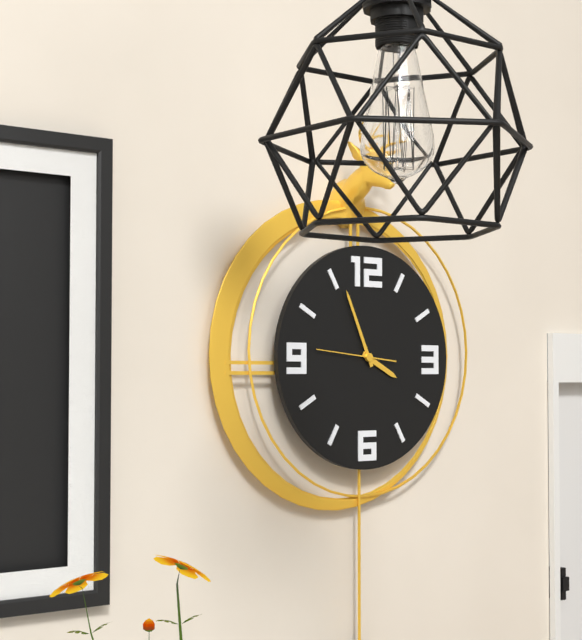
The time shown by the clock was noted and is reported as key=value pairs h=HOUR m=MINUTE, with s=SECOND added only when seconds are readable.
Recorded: h=3 m=56
